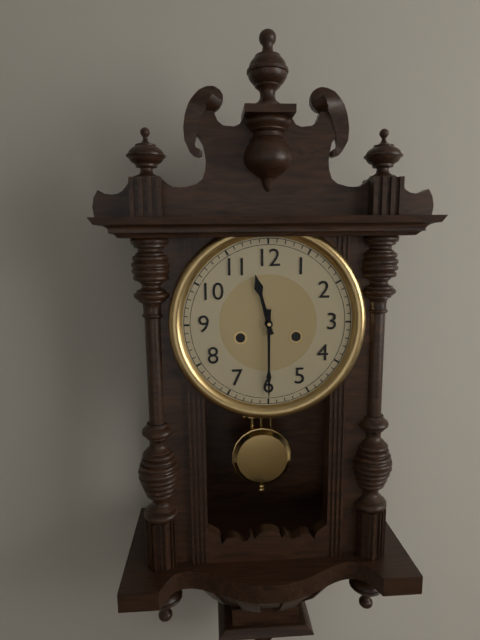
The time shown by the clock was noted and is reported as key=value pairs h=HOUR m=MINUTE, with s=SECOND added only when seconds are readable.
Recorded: h=11 m=30
